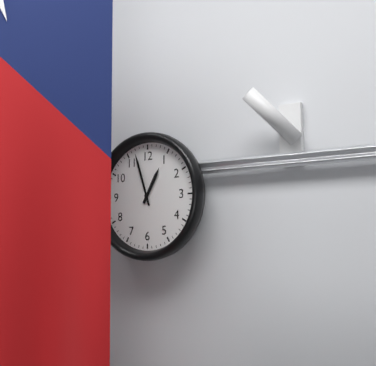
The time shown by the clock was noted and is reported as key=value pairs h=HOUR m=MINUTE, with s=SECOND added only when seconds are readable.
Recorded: h=12 m=57
